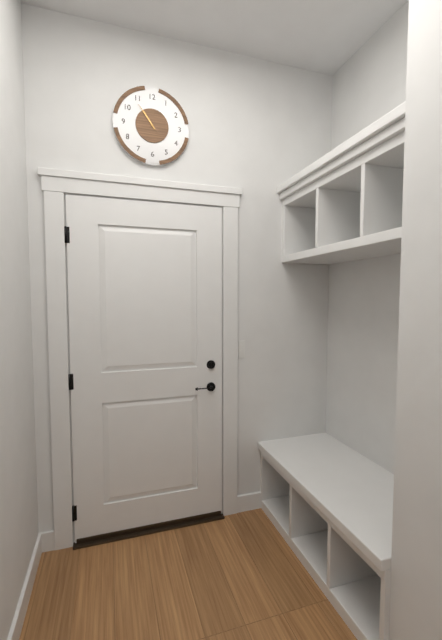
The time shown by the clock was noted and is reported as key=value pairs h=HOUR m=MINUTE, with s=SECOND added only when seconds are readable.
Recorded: h=10 m=54
